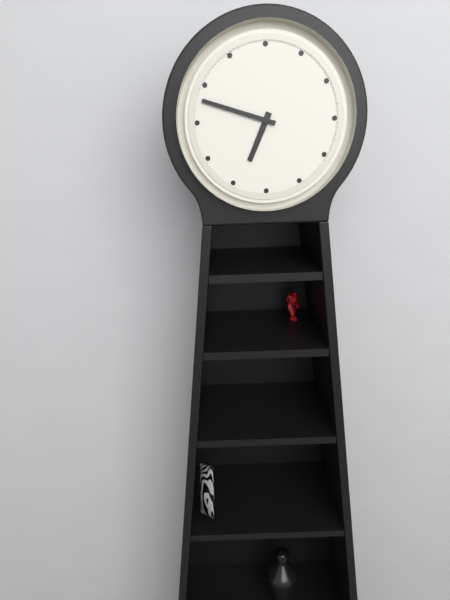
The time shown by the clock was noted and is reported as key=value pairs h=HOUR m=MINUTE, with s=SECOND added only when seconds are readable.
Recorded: h=6 m=48
